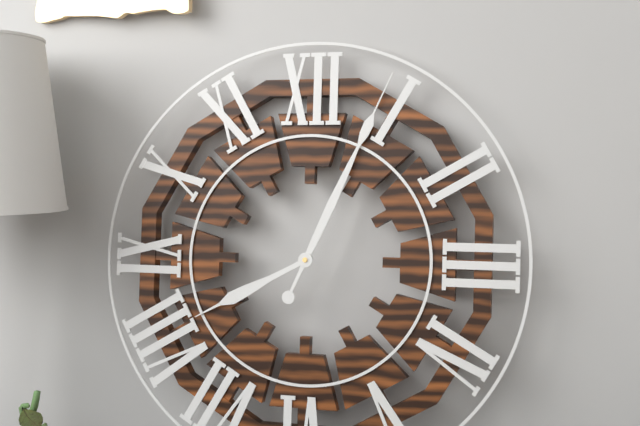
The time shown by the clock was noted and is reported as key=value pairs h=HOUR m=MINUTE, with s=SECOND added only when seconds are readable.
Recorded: h=8 m=4
